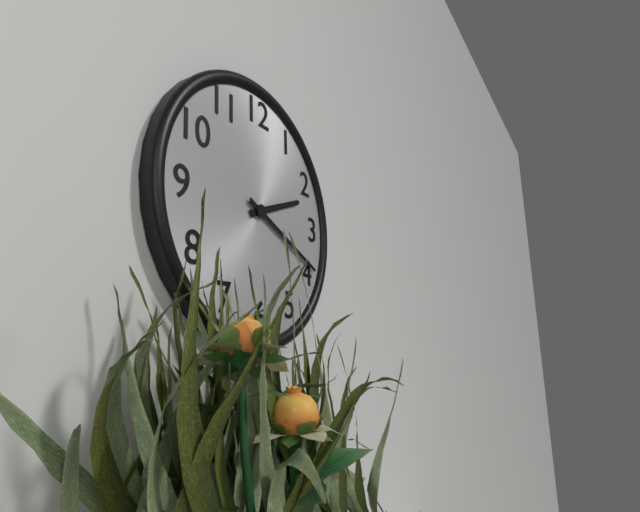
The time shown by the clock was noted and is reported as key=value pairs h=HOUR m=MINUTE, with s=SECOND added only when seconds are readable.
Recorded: h=2 m=19
